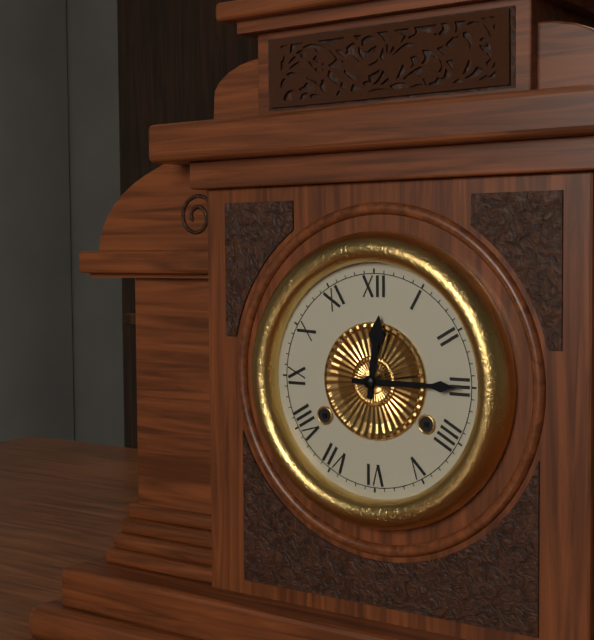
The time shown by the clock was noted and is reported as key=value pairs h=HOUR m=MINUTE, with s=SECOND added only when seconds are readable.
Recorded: h=12 m=15
